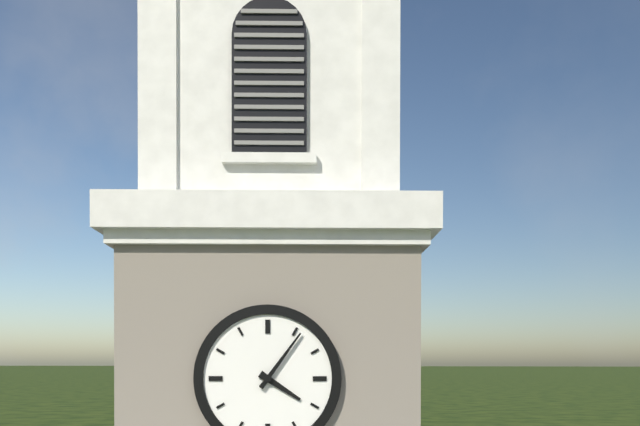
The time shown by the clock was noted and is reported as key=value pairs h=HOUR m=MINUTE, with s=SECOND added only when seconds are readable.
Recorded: h=4 m=6
